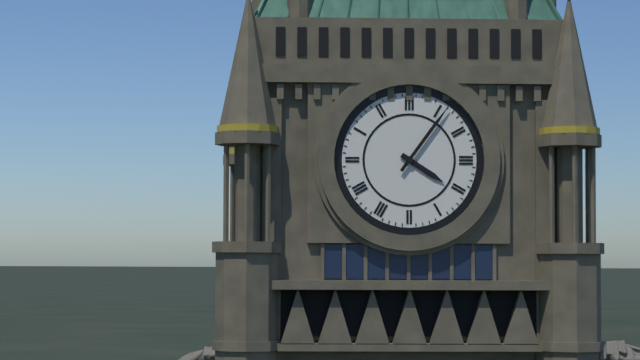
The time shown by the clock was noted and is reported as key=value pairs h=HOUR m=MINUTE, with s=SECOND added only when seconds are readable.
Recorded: h=4 m=6
